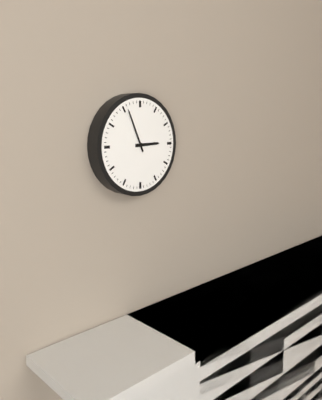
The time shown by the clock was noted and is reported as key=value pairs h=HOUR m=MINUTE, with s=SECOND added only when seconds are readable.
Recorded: h=2 m=56
